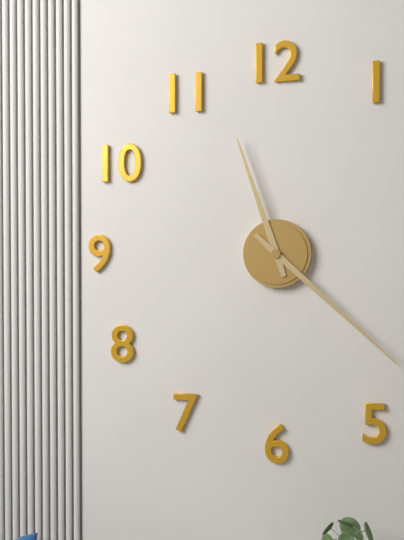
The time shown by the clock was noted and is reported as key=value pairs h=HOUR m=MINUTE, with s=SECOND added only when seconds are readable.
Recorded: h=11 m=22
